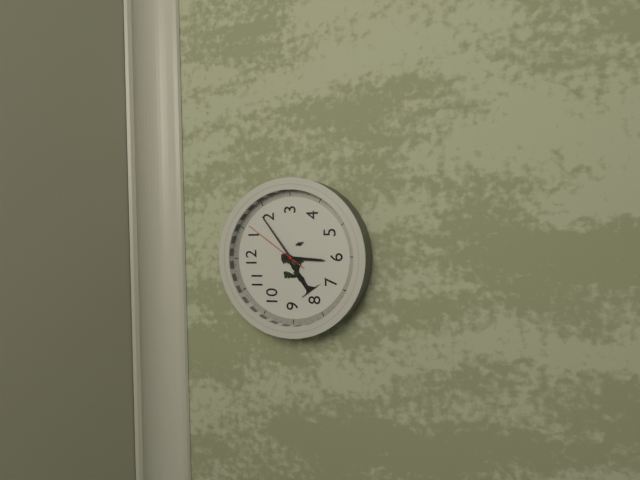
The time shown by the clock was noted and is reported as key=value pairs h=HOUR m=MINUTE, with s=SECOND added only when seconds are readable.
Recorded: h=6 m=9 s=6
